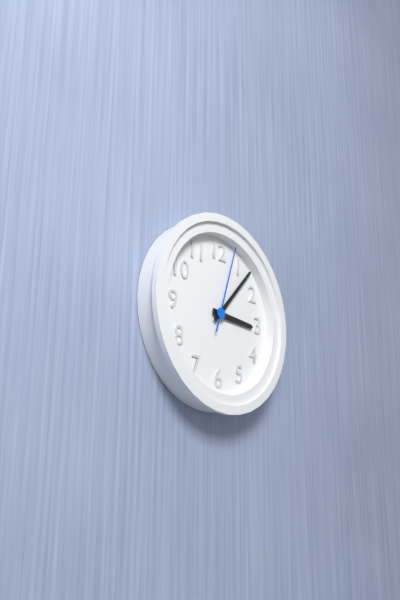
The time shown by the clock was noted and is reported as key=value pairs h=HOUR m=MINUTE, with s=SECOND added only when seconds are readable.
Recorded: h=3 m=7 s=3
